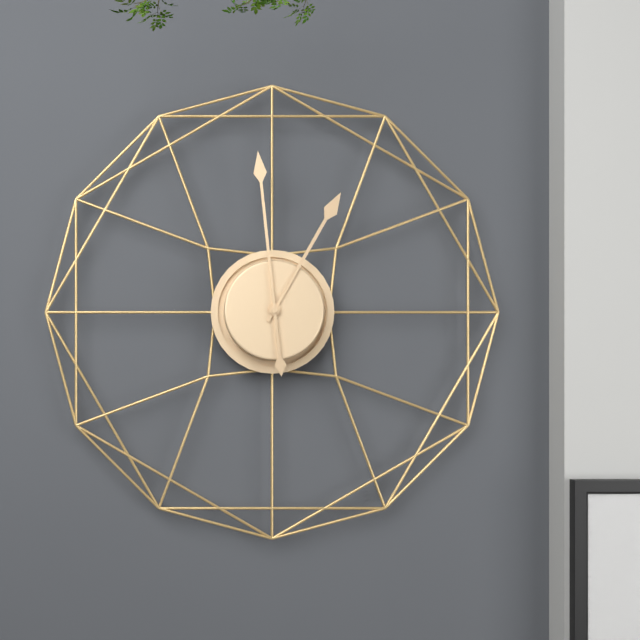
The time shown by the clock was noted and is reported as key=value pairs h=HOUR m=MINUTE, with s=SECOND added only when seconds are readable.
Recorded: h=12 m=59
